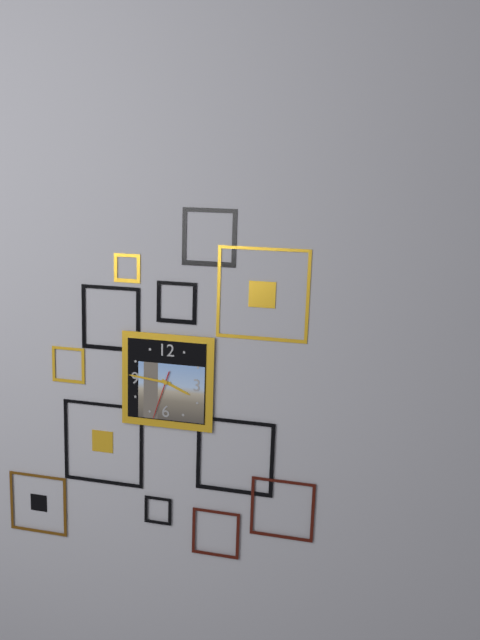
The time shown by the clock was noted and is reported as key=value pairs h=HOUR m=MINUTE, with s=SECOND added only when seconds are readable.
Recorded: h=3 m=46 s=33
